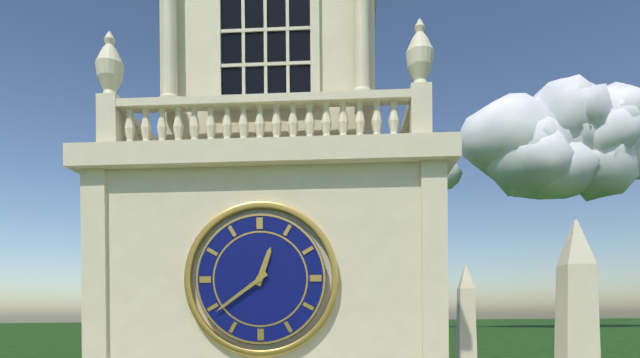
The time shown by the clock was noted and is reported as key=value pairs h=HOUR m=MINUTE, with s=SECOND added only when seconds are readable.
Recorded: h=12 m=39
